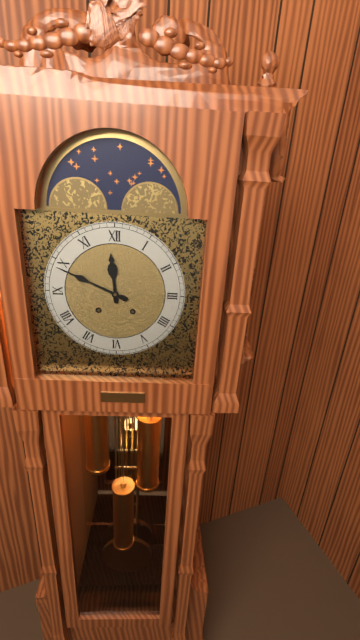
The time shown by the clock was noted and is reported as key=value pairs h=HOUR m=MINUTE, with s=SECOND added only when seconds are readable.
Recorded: h=11 m=49
